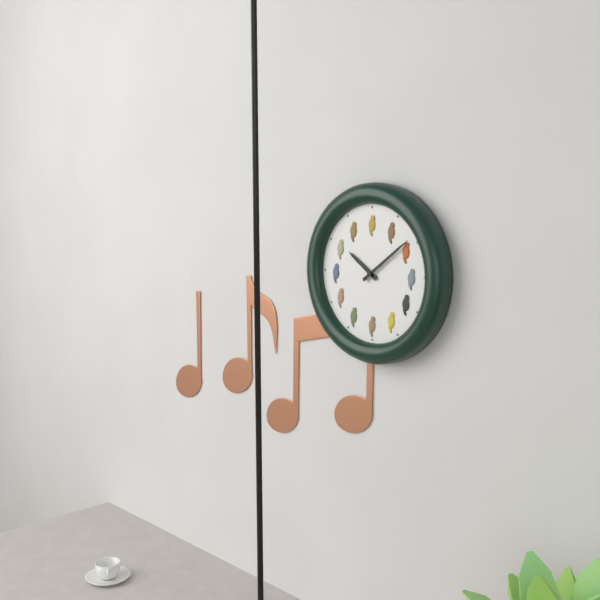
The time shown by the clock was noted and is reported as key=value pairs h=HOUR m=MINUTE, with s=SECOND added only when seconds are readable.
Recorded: h=10 m=9
